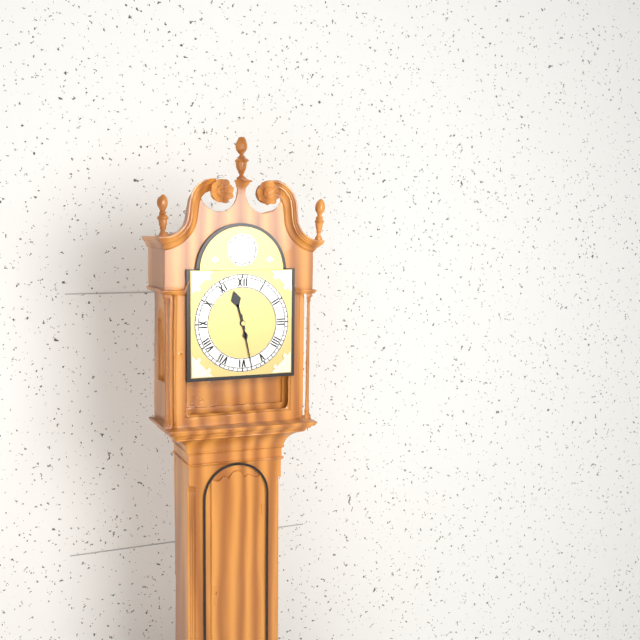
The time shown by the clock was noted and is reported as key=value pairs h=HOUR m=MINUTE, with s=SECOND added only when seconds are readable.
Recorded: h=11 m=28
